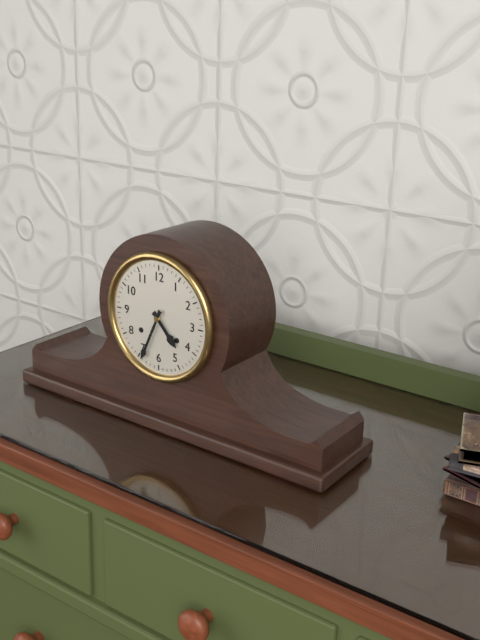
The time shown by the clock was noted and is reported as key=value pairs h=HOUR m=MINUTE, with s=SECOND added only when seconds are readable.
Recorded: h=4 m=34
